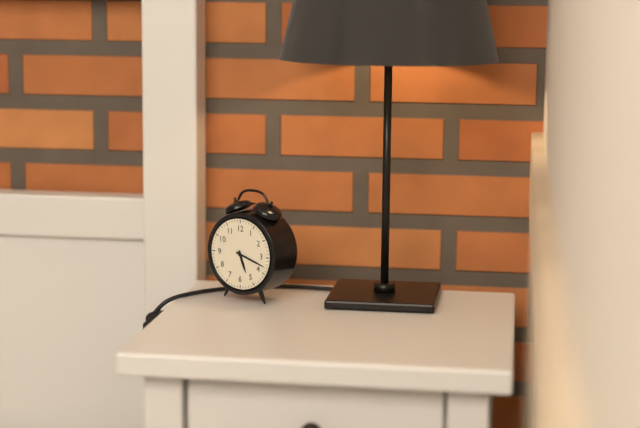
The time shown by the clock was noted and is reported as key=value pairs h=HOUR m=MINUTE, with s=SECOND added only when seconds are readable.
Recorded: h=5 m=18
